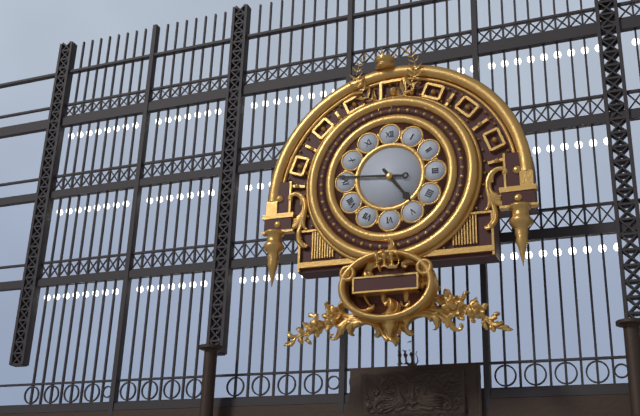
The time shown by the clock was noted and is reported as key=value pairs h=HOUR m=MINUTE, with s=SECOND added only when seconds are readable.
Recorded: h=4 m=46
